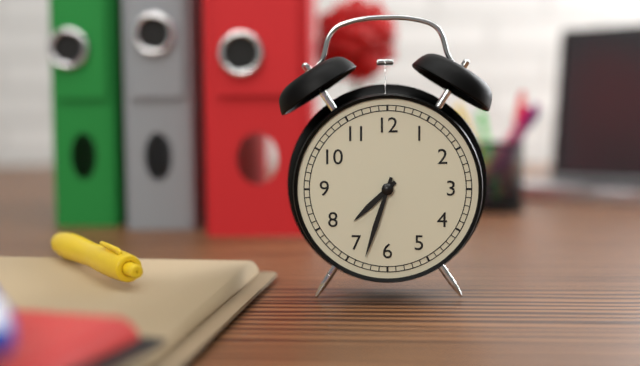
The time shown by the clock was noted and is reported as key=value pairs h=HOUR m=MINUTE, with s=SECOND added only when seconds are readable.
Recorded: h=7 m=33
